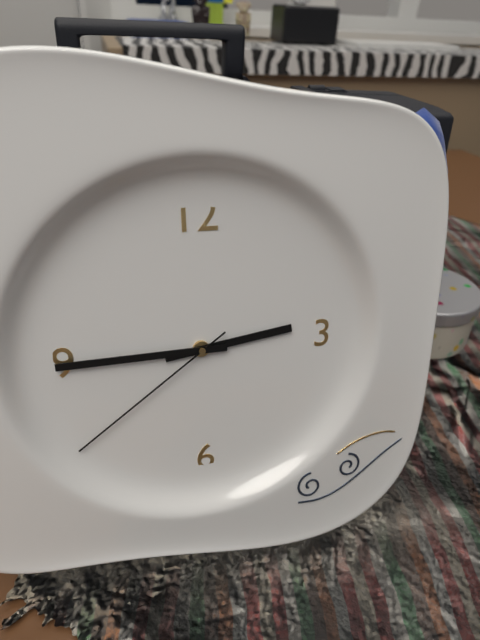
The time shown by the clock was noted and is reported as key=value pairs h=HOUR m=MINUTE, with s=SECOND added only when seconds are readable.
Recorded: h=2 m=45 s=39
